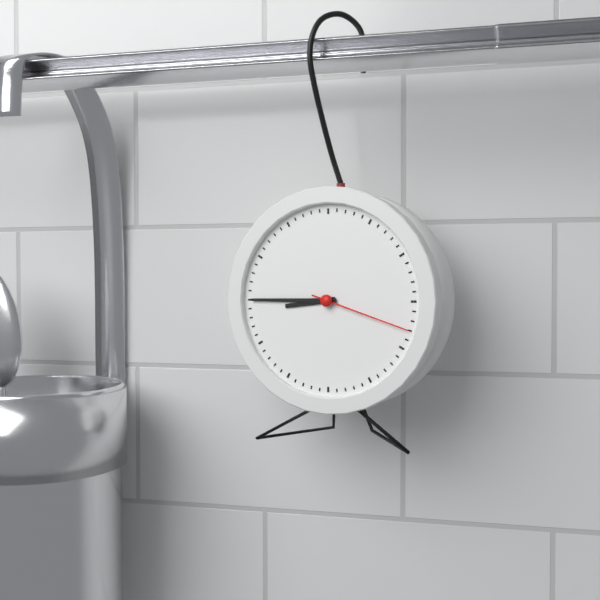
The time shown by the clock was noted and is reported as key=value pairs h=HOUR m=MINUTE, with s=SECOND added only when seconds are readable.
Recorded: h=8 m=45 s=18
